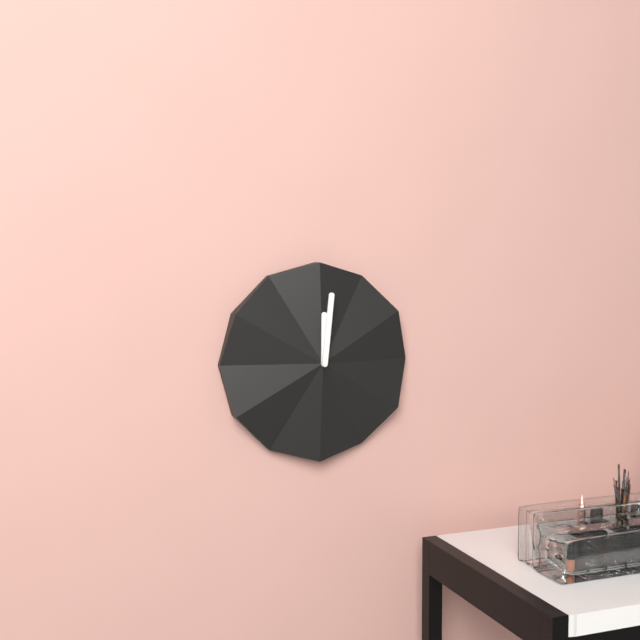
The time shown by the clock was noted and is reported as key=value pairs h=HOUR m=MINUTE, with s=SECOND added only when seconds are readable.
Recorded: h=12 m=1
